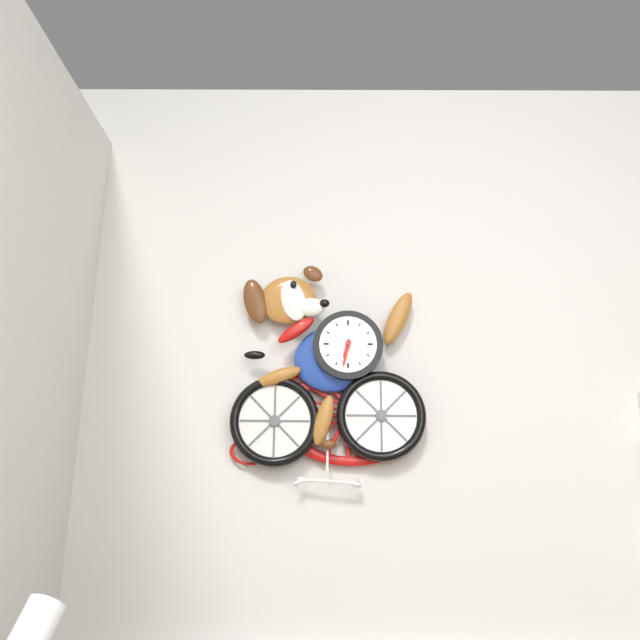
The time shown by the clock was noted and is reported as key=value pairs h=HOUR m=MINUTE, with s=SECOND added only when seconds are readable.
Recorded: h=6 m=32
